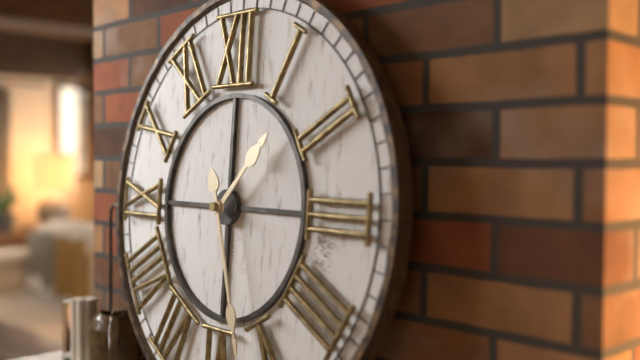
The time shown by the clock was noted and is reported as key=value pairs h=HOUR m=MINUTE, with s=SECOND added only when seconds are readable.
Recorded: h=1 m=27
